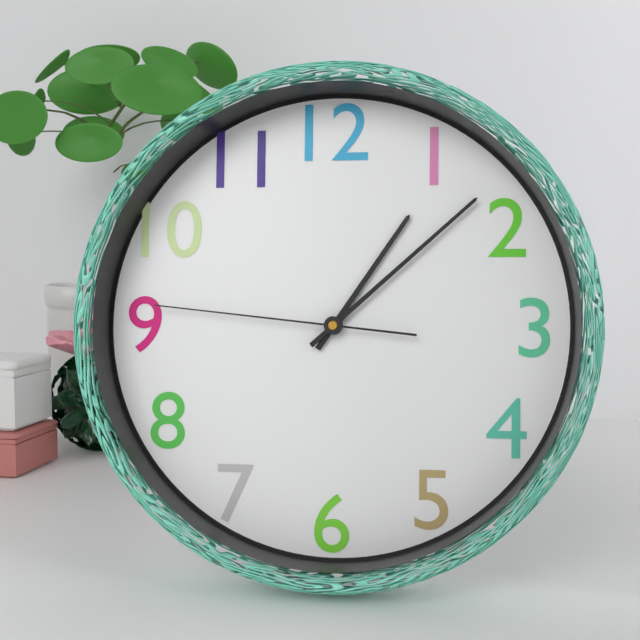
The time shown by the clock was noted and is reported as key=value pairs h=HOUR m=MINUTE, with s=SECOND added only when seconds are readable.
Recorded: h=1 m=8 s=46
